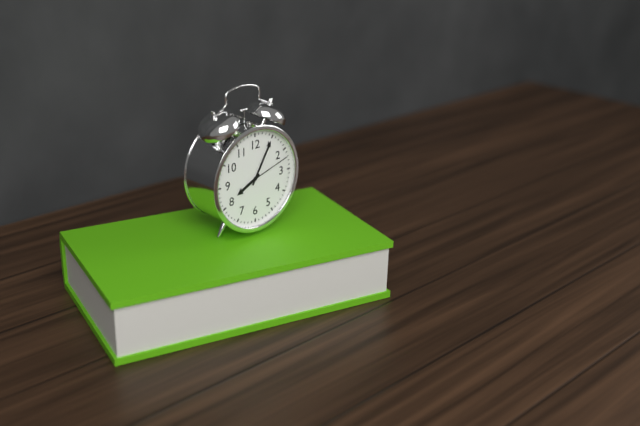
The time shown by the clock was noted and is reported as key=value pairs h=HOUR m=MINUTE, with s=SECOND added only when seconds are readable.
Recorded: h=8 m=5
